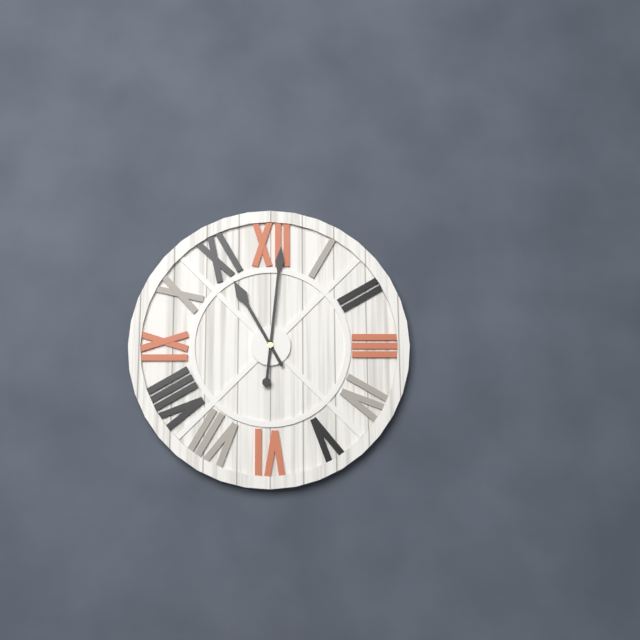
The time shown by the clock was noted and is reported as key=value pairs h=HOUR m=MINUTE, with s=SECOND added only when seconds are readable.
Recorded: h=11 m=1
